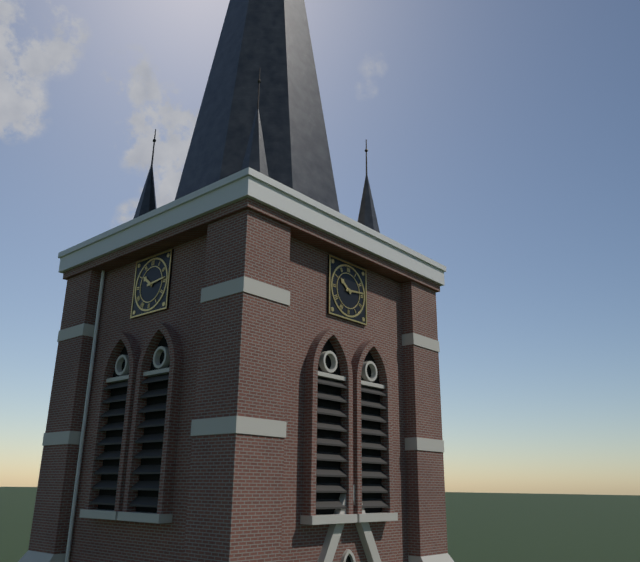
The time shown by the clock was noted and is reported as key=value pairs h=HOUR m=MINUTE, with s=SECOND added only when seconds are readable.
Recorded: h=10 m=14
